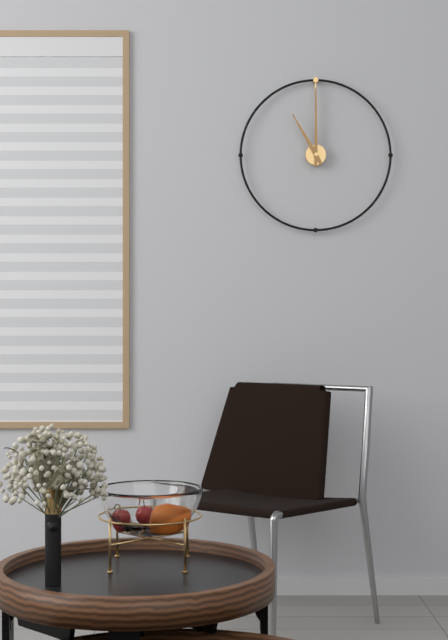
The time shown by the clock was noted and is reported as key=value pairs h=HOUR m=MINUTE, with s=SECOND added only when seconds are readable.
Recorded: h=11 m=0
